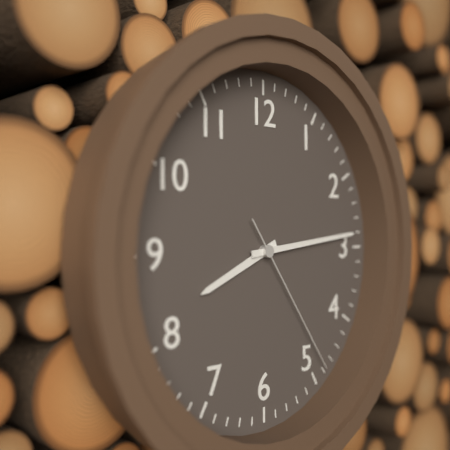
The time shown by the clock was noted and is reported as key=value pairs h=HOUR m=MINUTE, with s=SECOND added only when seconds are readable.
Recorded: h=8 m=14 s=24
